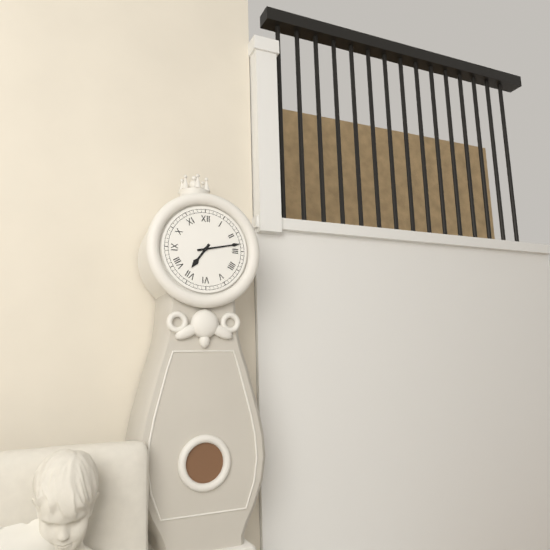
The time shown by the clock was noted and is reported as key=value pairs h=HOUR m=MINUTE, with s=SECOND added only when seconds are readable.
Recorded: h=7 m=13
